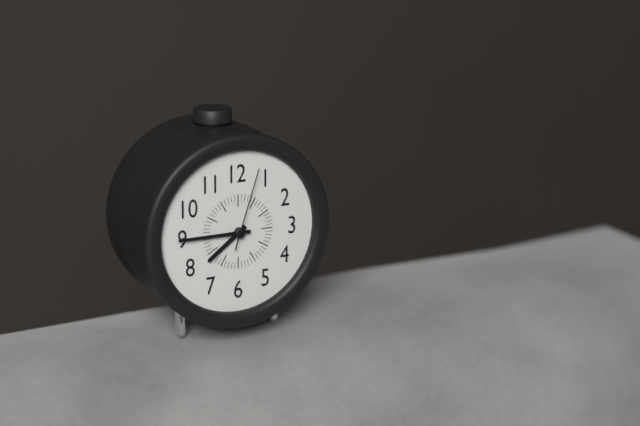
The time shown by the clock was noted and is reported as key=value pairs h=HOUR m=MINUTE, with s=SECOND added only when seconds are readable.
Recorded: h=7 m=45 s=3
